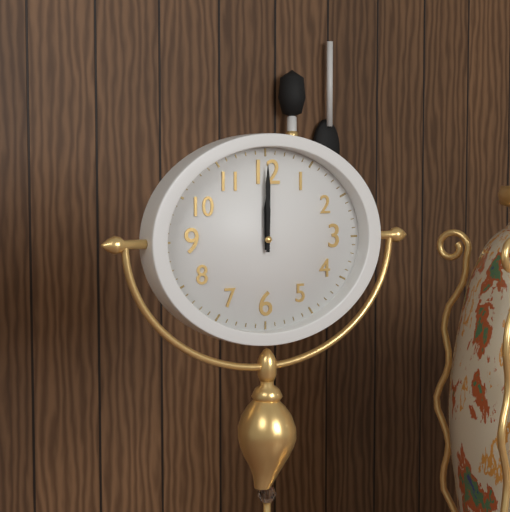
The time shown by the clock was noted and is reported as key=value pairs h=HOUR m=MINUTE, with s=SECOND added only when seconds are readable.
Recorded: h=12 m=0
